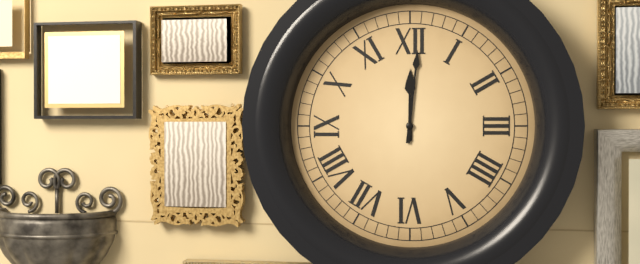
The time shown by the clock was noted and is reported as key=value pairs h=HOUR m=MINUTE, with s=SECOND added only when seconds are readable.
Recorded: h=12 m=1
